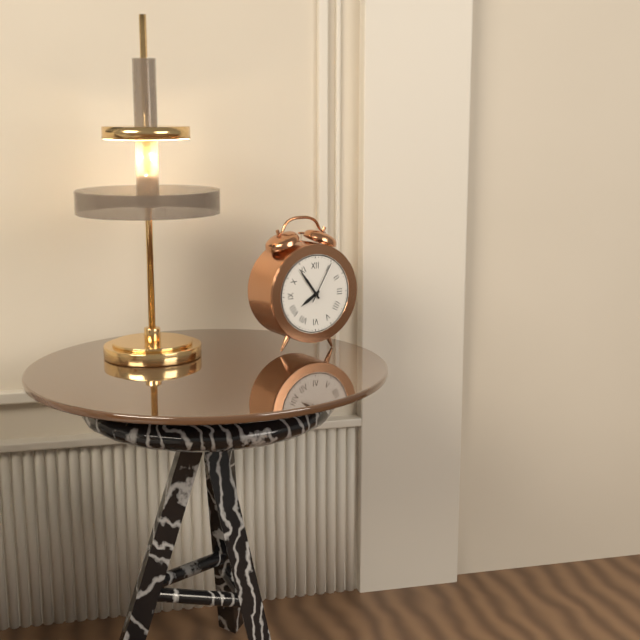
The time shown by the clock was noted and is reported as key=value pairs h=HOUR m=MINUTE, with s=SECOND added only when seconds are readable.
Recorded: h=7 m=54
